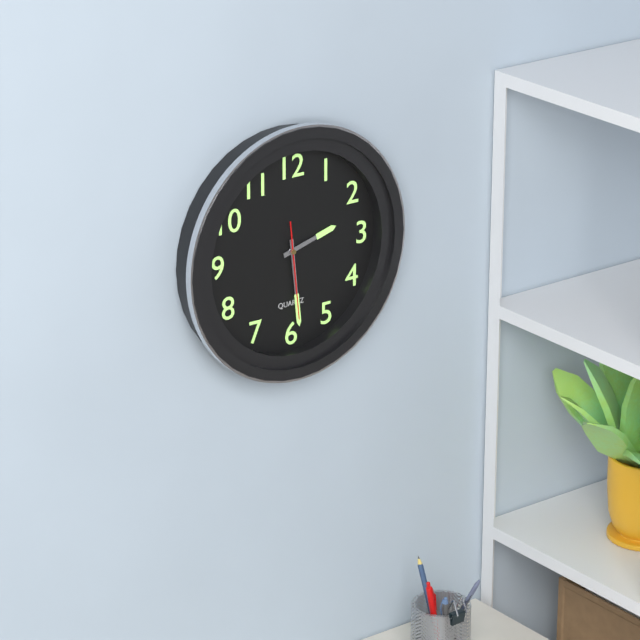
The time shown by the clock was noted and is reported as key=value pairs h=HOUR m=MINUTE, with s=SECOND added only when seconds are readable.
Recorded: h=2 m=29 s=29
